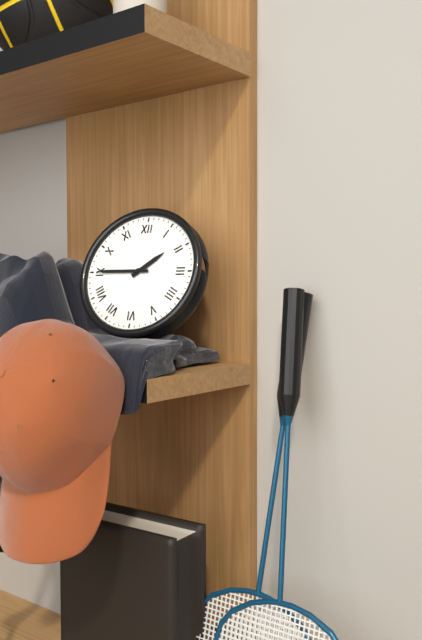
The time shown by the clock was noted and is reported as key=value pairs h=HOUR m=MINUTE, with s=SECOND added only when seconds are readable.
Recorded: h=1 m=45
